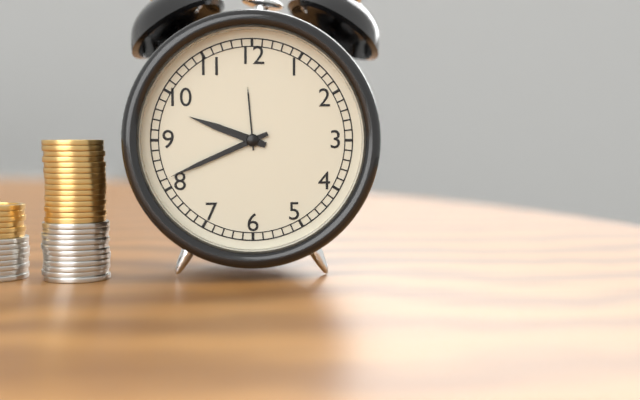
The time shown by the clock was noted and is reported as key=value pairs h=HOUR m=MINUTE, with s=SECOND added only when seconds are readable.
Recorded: h=9 m=41
